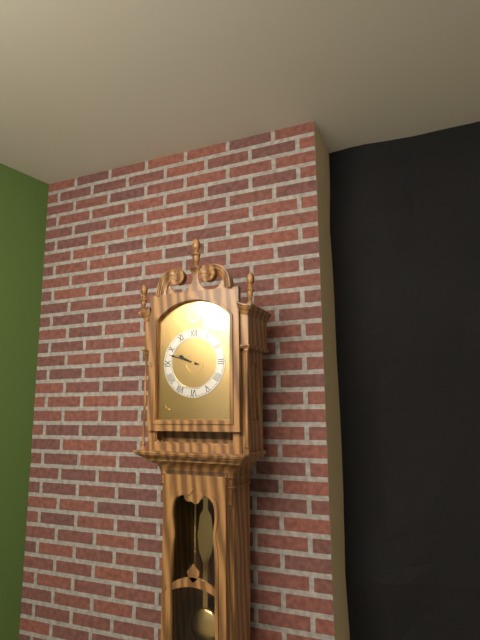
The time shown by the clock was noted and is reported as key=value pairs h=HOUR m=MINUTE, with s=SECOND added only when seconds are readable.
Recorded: h=9 m=48
